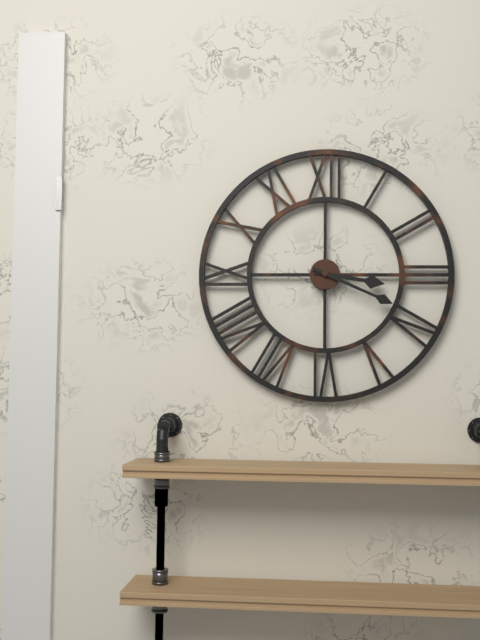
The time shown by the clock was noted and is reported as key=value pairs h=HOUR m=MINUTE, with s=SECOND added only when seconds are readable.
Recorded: h=3 m=19
